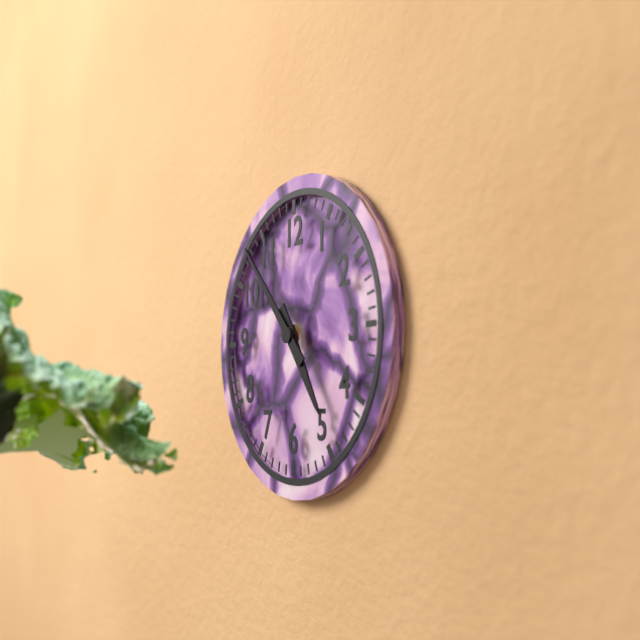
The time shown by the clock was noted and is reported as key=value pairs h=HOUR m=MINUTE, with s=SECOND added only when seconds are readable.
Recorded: h=4 m=53
